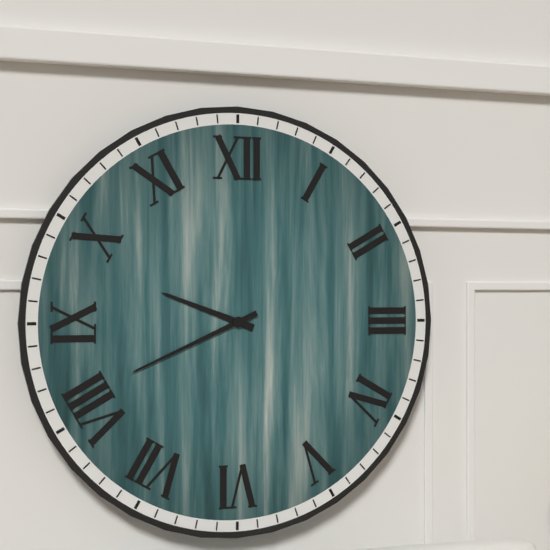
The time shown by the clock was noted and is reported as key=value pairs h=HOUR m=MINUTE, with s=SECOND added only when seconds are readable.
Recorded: h=9 m=41
